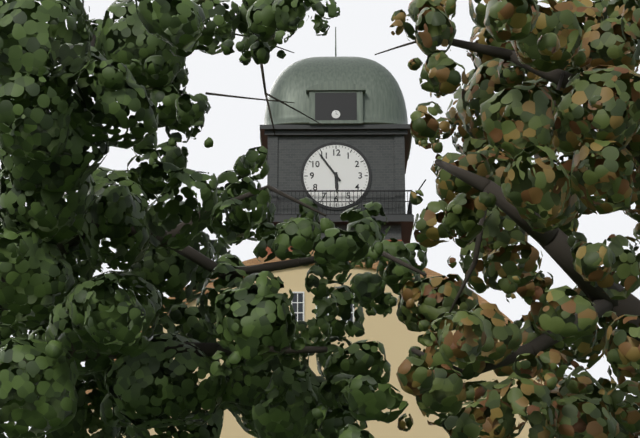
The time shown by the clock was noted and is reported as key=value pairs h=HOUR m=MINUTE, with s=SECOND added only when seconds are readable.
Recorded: h=5 m=54
